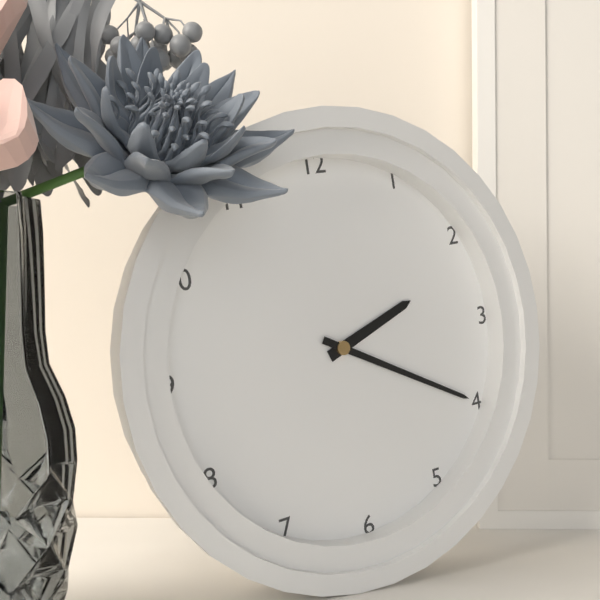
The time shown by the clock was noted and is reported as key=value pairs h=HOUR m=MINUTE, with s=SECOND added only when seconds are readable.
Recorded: h=2 m=20
